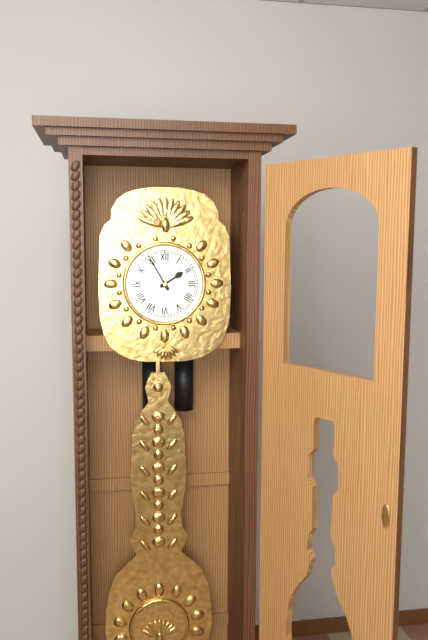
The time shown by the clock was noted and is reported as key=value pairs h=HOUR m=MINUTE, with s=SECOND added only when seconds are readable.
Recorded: h=1 m=55
